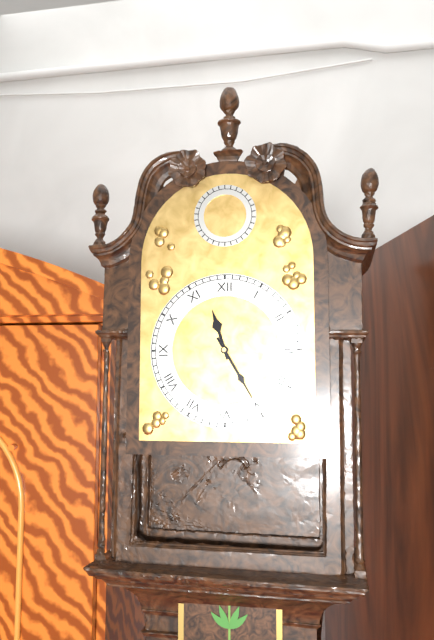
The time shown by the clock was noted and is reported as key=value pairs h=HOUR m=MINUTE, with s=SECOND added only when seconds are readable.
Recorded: h=11 m=25
